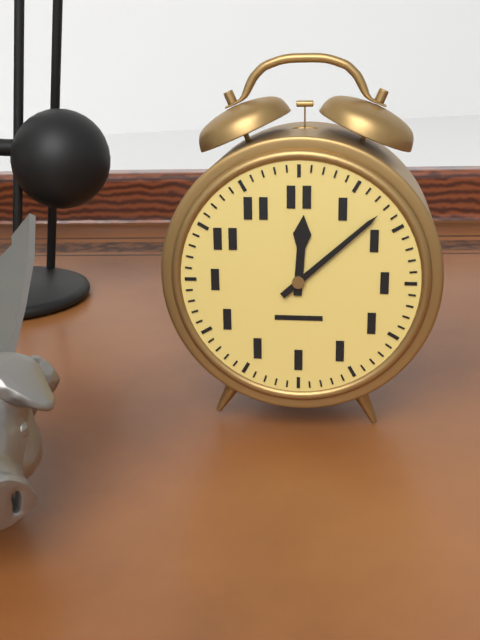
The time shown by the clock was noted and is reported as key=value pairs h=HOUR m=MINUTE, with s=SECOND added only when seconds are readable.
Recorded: h=12 m=8
